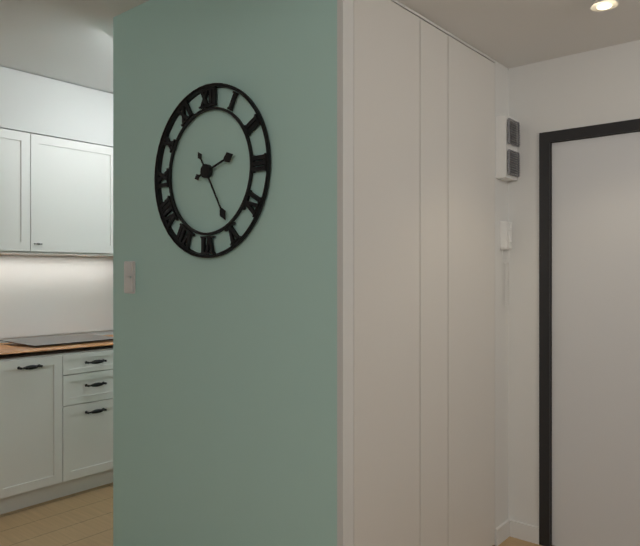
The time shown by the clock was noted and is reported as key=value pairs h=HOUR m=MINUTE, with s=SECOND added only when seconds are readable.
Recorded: h=2 m=25
